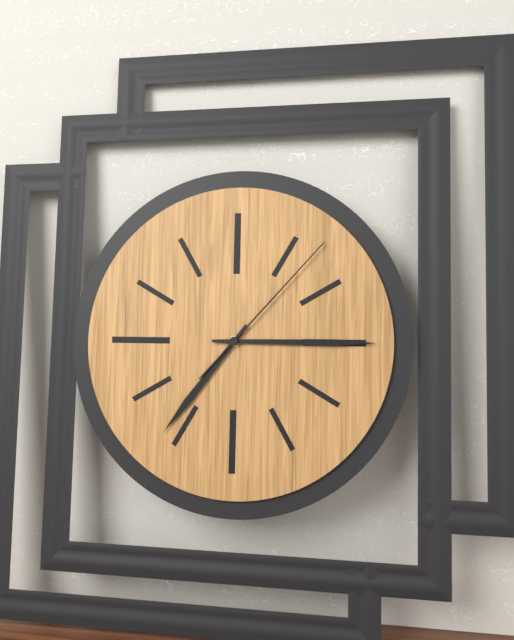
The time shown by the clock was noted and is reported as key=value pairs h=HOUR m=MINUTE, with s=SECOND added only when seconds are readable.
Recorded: h=7 m=15 s=7
